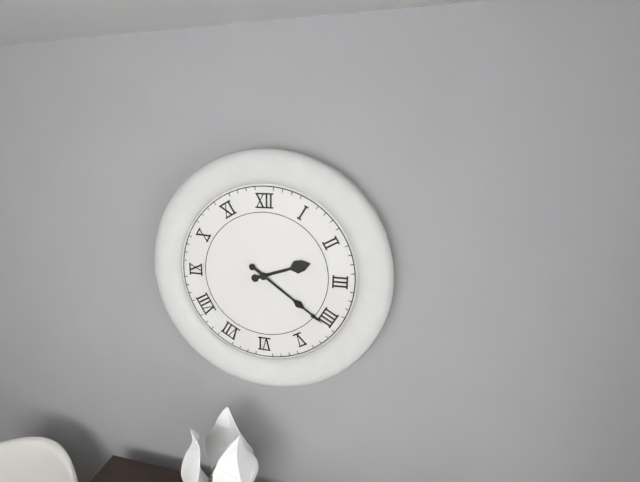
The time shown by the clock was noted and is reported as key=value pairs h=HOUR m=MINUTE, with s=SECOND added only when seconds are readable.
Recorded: h=2 m=21
